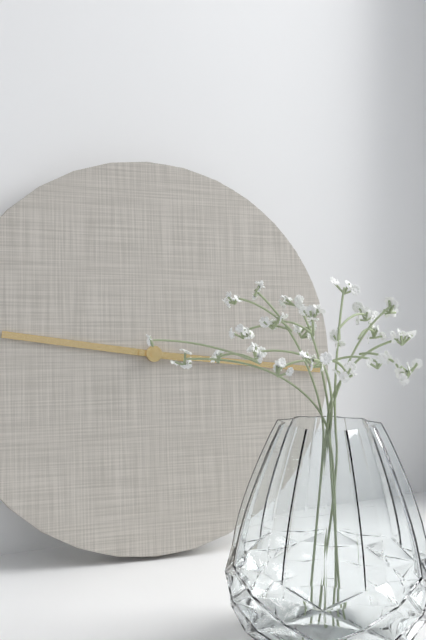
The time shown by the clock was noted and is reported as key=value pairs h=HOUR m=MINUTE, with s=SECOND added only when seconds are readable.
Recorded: h=9 m=16
